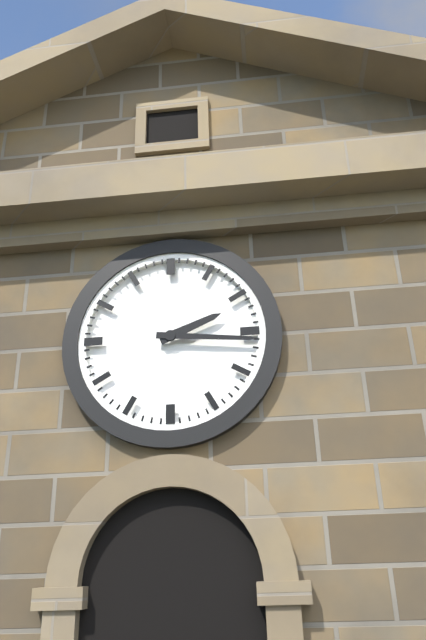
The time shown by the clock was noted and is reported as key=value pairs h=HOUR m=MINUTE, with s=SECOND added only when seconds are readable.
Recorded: h=2 m=16
